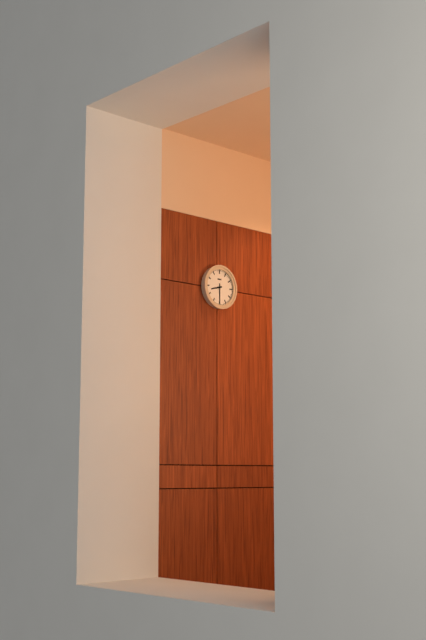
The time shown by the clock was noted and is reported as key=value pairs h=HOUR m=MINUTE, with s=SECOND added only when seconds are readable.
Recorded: h=8 m=30
